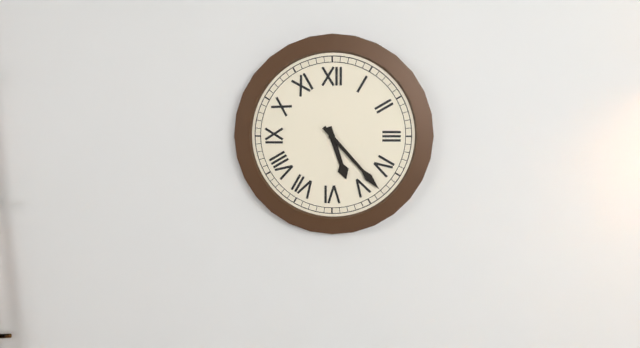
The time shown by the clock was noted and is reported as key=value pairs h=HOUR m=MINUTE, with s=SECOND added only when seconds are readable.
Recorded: h=5 m=23
